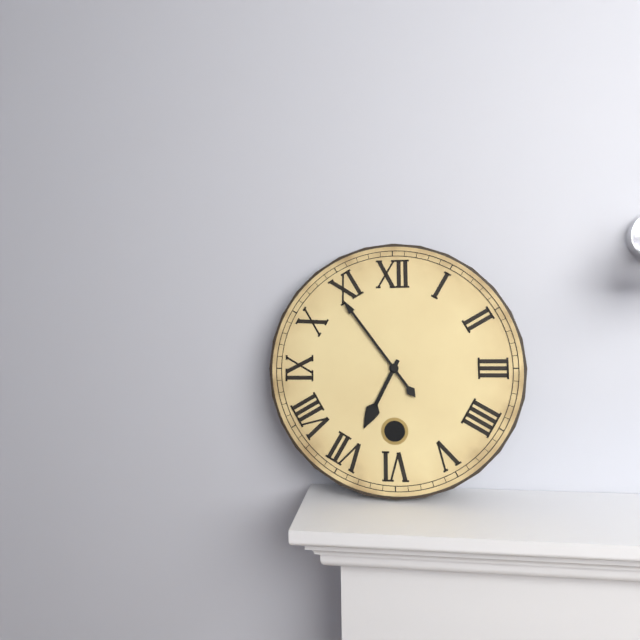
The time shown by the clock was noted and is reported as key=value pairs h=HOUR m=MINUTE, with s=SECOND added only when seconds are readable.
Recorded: h=6 m=54
